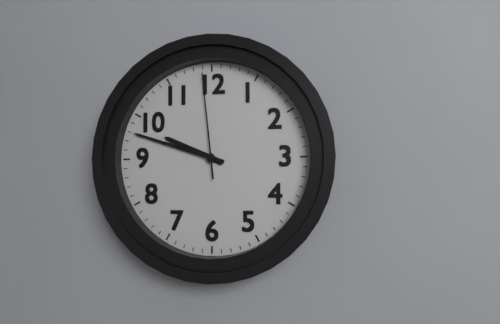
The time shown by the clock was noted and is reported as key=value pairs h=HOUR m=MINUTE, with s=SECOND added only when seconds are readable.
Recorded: h=9 m=48 s=59
